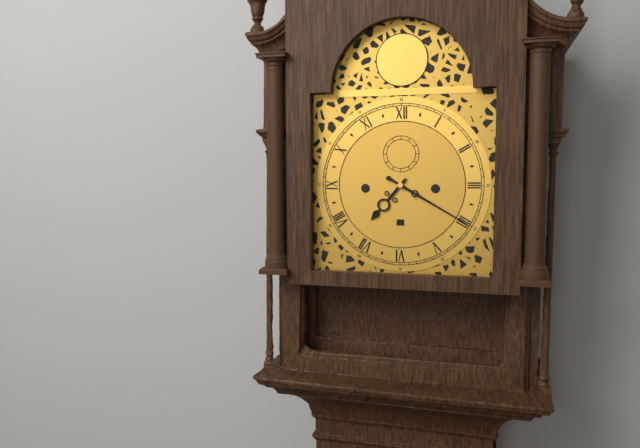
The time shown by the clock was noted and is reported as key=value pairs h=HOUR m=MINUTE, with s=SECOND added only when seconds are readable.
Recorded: h=7 m=20
